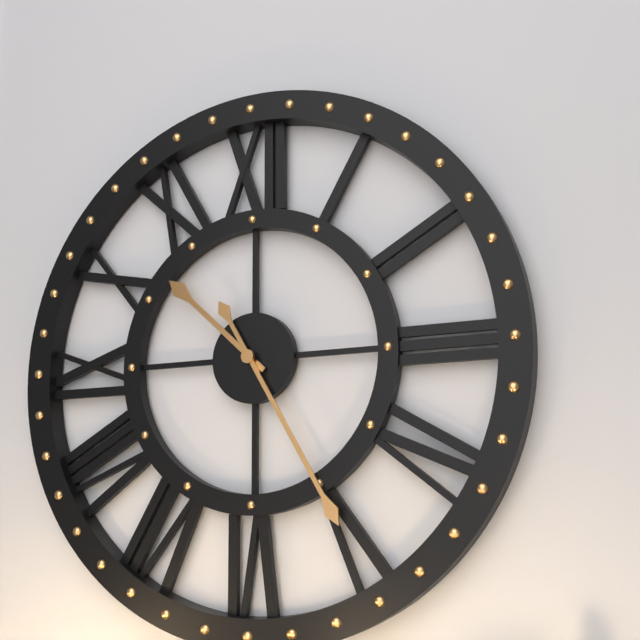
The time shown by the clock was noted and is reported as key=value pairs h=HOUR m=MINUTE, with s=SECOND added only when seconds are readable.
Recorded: h=10 m=25
